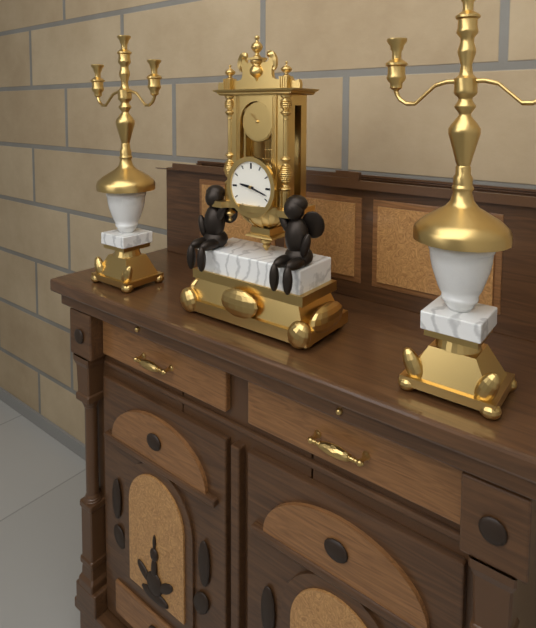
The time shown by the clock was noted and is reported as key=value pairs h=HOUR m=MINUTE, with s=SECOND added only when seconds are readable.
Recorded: h=9 m=18
